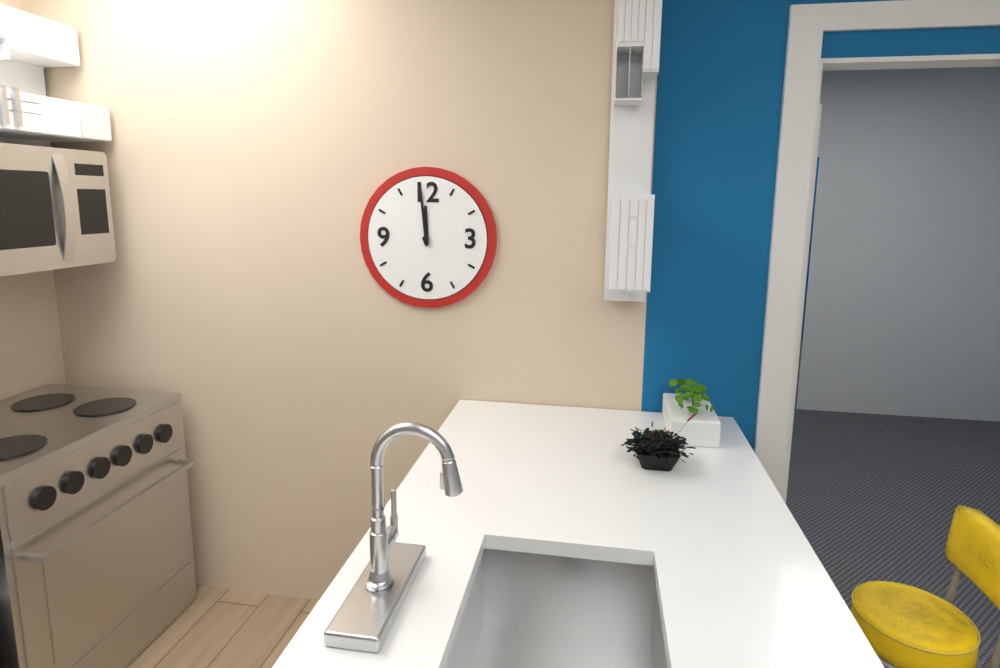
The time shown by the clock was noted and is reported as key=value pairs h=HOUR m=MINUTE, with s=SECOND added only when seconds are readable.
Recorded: h=11 m=59
